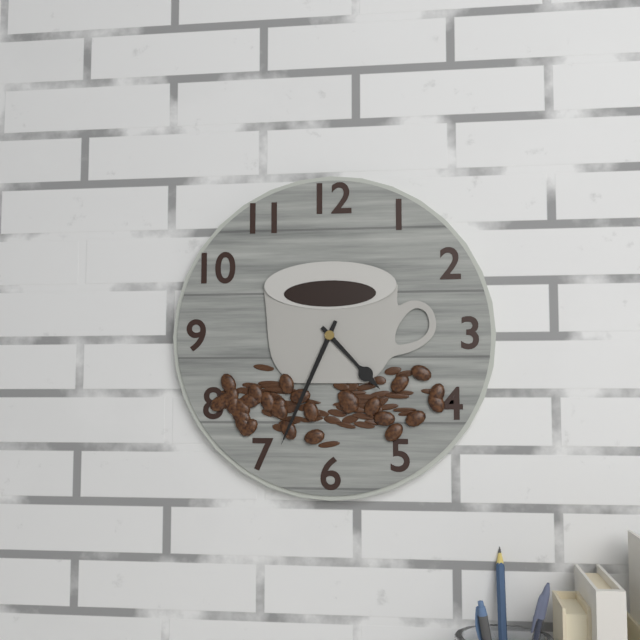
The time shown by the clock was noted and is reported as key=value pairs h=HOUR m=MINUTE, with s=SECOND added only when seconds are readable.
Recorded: h=4 m=34
